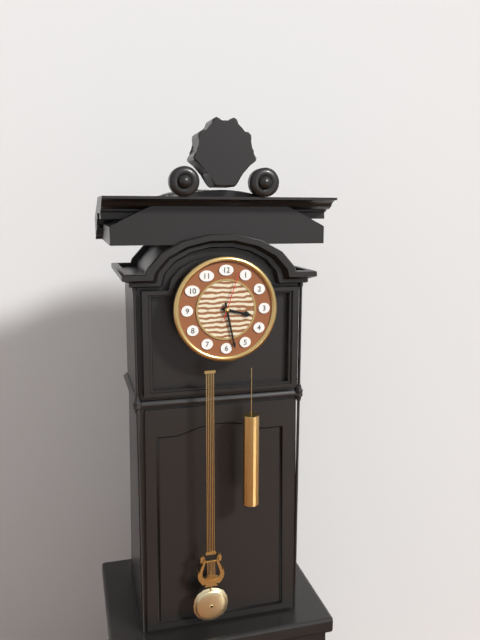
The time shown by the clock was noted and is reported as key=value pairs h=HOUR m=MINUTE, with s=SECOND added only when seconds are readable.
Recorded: h=3 m=28
